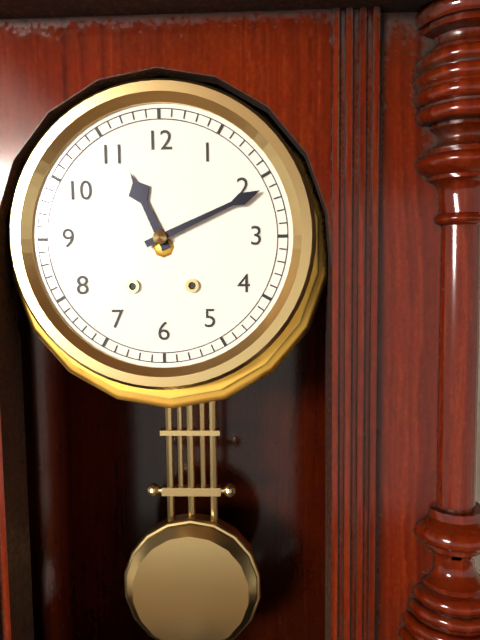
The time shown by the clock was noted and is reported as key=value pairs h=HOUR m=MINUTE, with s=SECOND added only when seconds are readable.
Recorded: h=11 m=11
